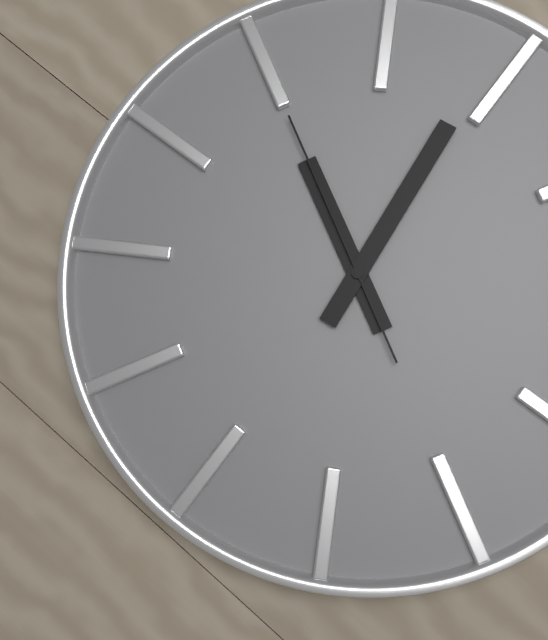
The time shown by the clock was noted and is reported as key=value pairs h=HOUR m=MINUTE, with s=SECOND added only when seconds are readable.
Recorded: h=9 m=59 s=50
